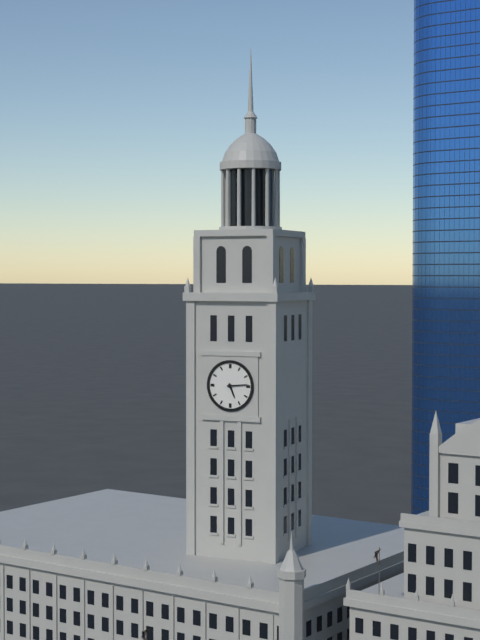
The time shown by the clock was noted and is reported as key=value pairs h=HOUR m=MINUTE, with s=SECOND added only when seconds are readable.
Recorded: h=5 m=14
